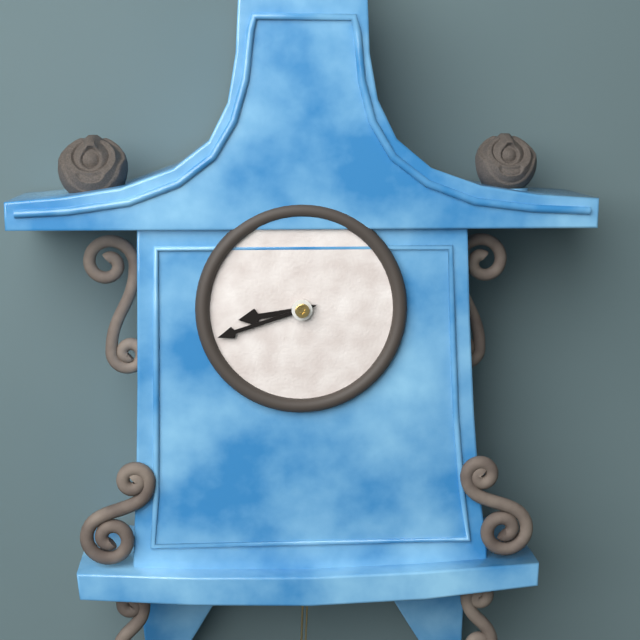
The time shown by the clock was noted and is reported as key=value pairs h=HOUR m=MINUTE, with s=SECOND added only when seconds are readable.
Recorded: h=8 m=42
